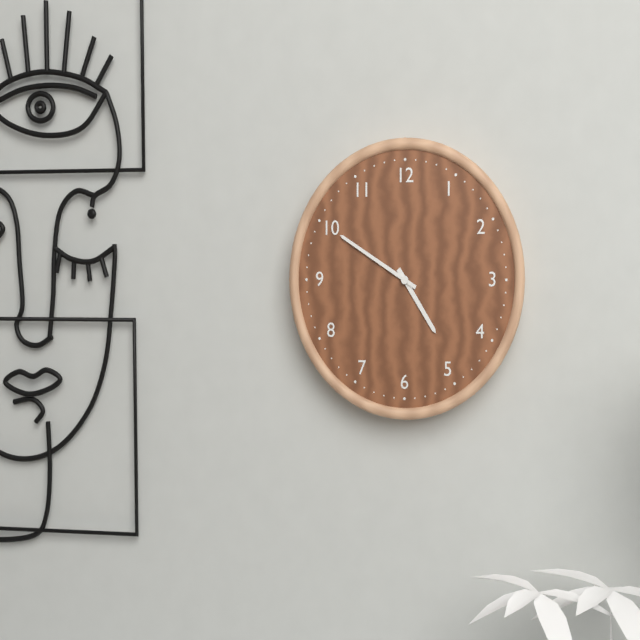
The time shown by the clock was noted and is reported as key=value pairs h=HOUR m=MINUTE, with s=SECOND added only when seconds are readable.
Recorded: h=4 m=50
